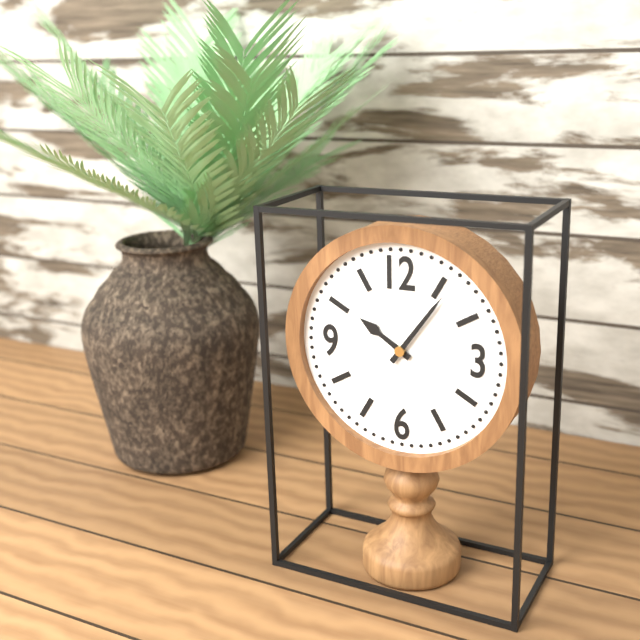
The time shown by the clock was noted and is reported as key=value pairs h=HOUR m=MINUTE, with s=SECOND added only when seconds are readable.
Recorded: h=10 m=6
